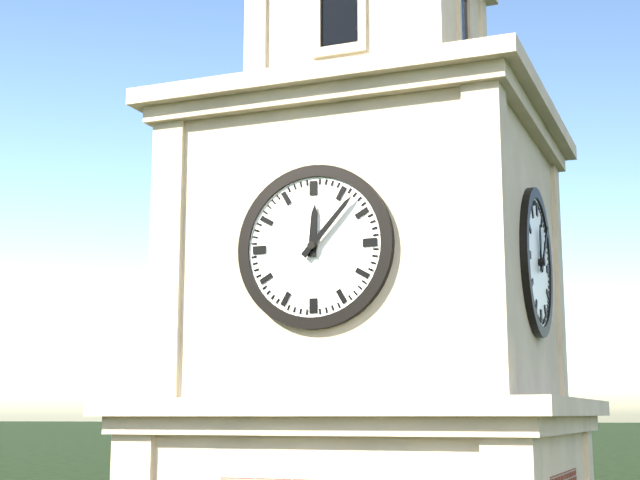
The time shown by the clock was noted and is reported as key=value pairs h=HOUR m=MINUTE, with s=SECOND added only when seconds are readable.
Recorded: h=12 m=7
